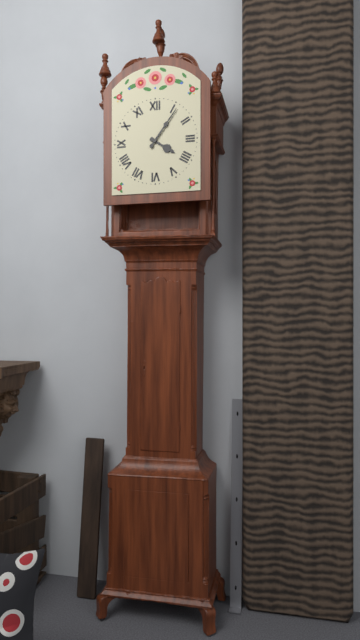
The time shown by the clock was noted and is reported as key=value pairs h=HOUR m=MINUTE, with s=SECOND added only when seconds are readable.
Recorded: h=4 m=6
